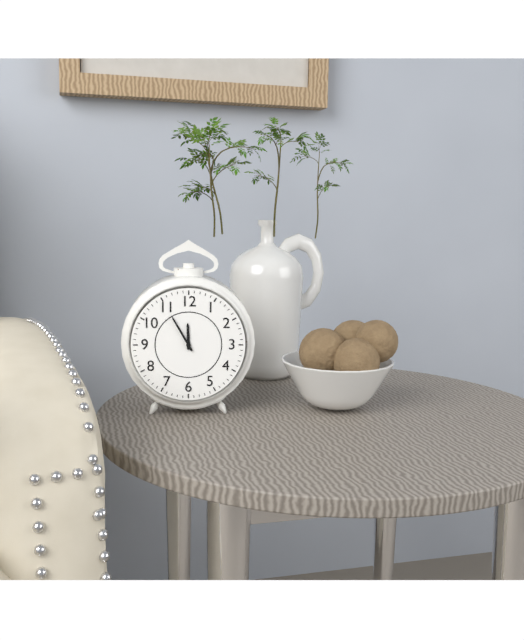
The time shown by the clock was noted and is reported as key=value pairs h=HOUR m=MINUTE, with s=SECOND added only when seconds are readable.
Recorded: h=11 m=55
